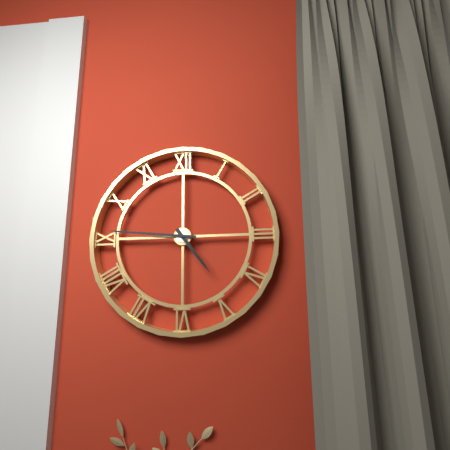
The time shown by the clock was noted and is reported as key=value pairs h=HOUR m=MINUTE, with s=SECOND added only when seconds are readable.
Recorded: h=4 m=46
